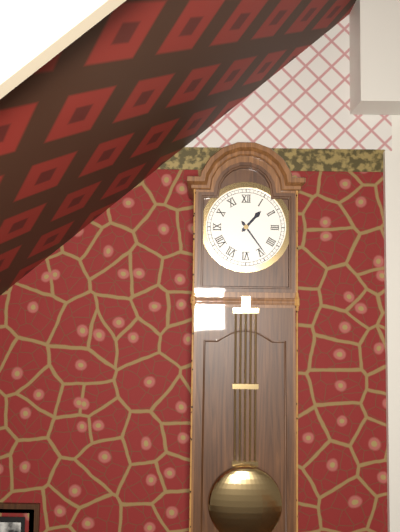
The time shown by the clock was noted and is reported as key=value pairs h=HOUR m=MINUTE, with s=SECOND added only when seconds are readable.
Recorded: h=1 m=24
